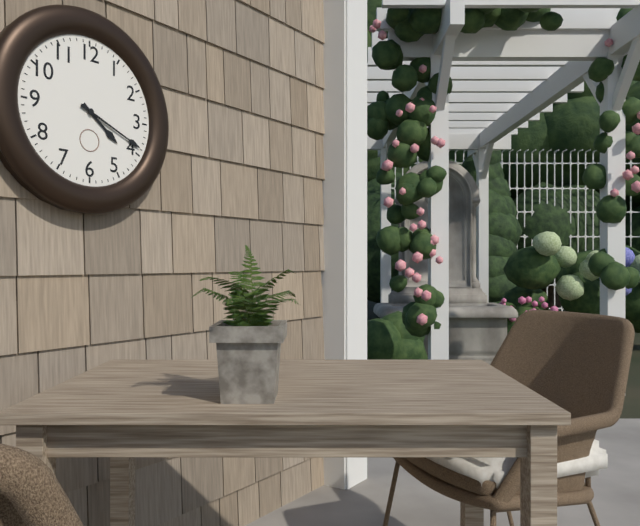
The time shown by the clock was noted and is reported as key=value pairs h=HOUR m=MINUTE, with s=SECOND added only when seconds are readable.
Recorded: h=4 m=19
